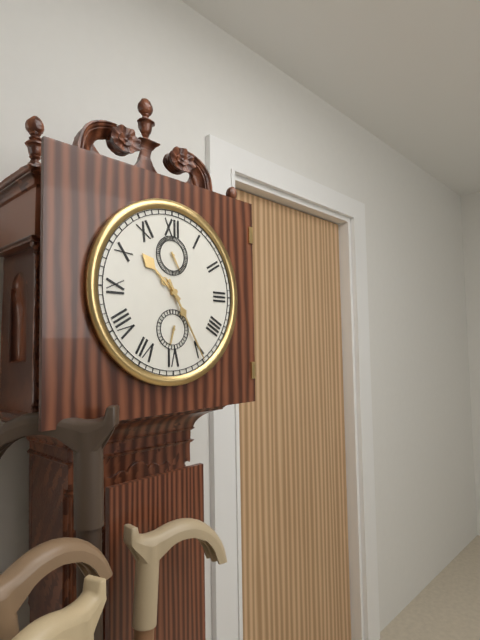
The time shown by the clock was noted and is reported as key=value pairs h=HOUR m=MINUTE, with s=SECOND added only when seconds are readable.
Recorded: h=10 m=25
